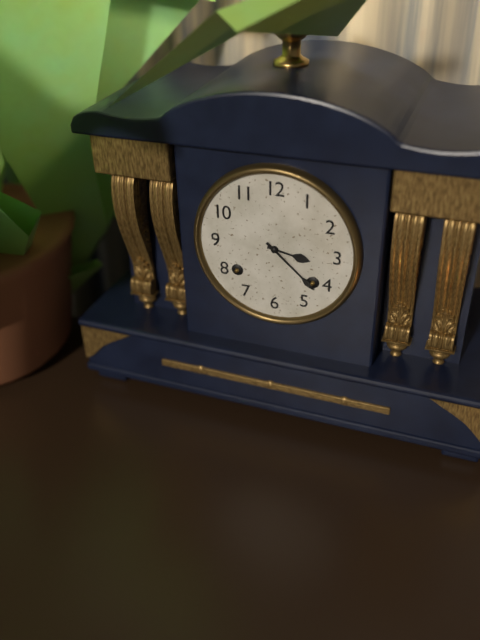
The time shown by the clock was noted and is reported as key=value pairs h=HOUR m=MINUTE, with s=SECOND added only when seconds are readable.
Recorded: h=3 m=22
